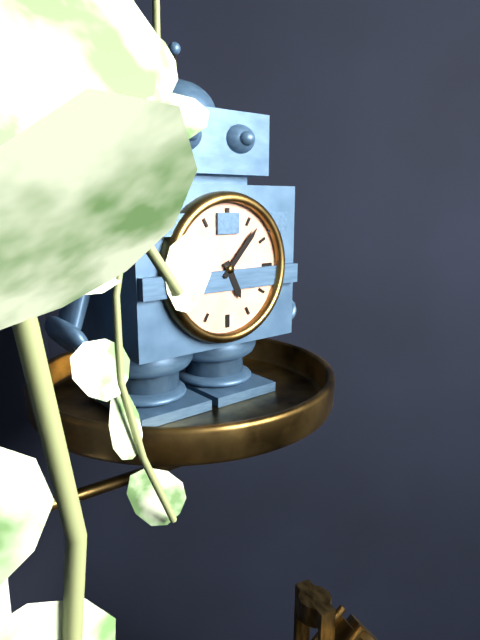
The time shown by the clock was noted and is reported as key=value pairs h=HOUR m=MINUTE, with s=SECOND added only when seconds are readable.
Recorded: h=5 m=7
